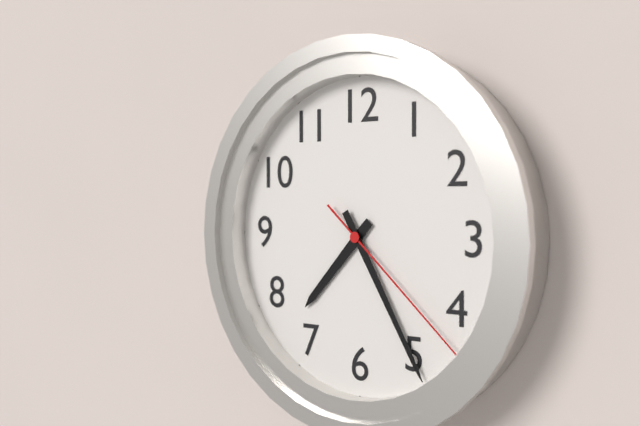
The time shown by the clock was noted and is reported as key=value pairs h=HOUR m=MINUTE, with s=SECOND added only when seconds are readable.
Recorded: h=7 m=25 s=22
